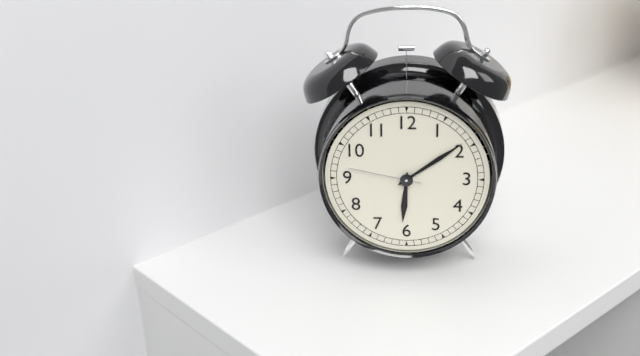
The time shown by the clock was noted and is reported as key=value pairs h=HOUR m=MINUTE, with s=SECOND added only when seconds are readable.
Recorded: h=6 m=9 s=47
